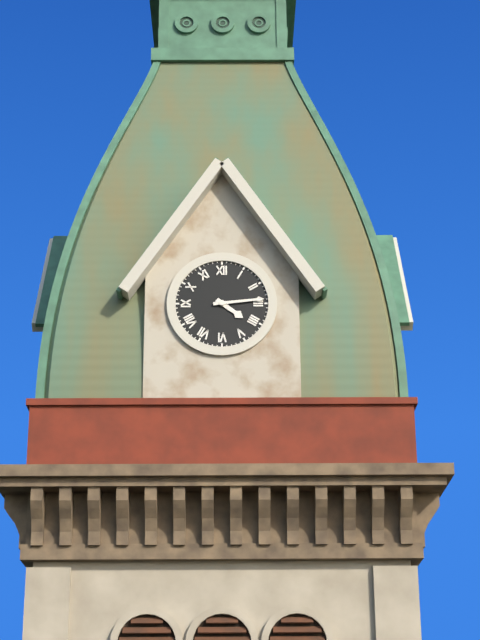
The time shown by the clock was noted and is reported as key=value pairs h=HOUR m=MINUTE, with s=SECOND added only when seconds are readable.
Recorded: h=4 m=14
